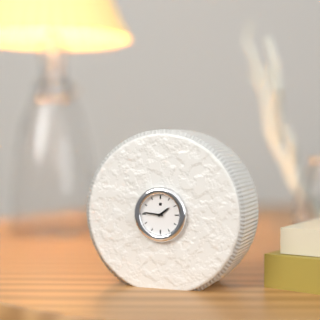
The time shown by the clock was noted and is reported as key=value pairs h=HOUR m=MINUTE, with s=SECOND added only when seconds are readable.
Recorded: h=1 m=46
